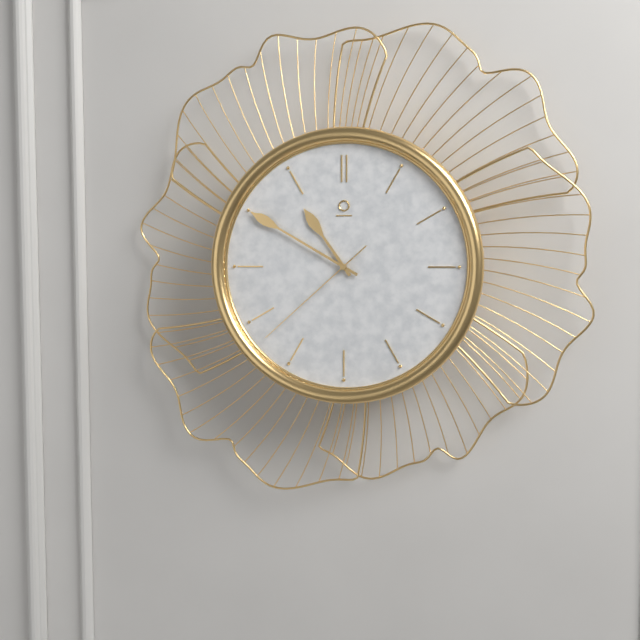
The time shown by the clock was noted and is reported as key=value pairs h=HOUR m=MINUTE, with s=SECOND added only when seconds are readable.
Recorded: h=10 m=50 s=38
